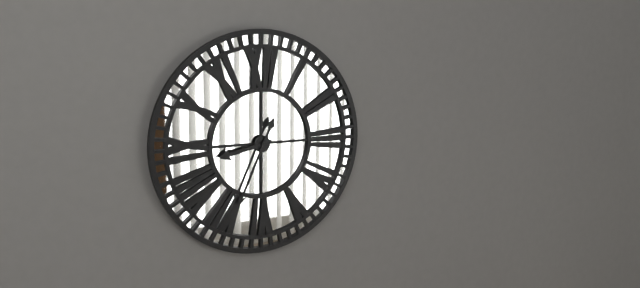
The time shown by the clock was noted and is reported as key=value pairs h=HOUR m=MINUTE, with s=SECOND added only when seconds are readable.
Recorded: h=8 m=34
